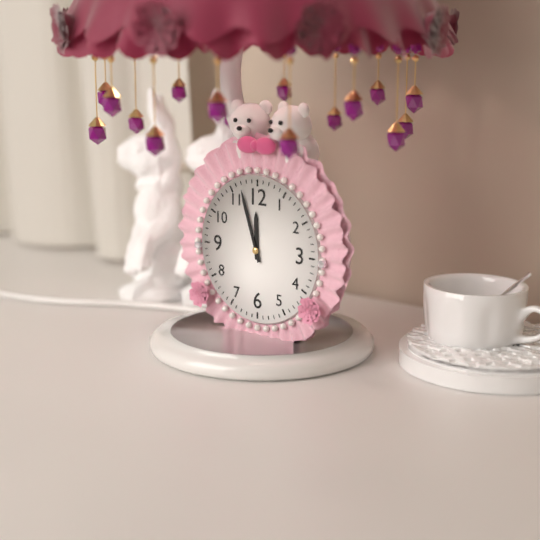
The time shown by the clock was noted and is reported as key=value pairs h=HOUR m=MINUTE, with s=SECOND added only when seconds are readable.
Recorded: h=11 m=57
